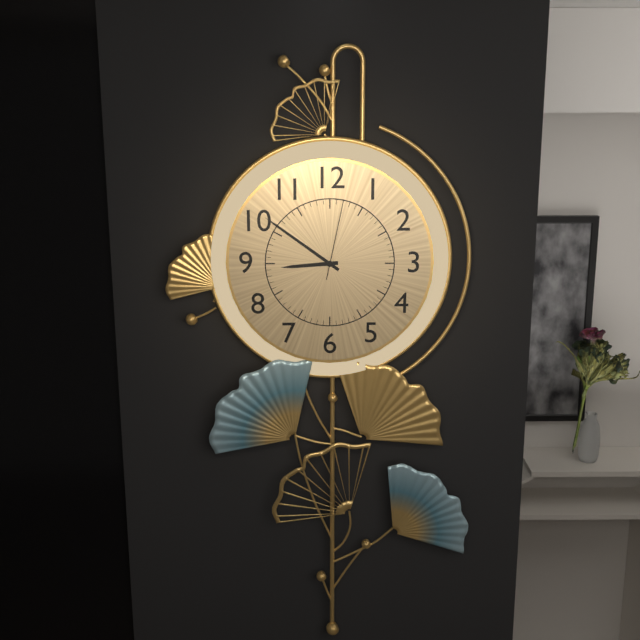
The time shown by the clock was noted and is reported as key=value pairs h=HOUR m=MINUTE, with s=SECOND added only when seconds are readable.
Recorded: h=8 m=51 s=2
